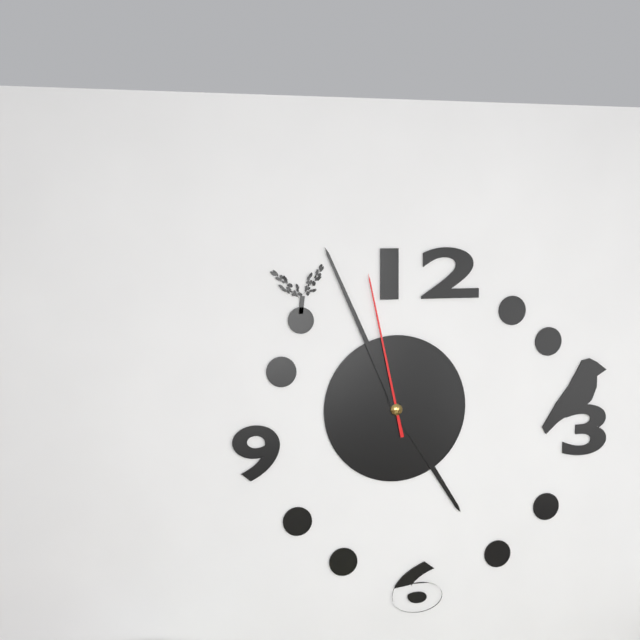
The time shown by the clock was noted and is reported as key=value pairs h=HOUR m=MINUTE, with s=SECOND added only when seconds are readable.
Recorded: h=4 m=56 s=58
